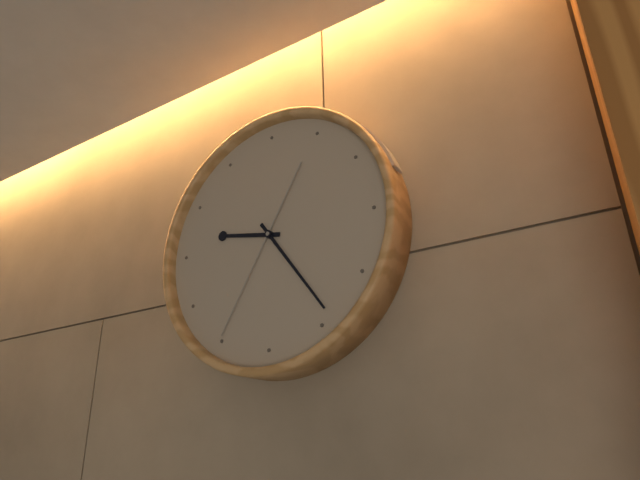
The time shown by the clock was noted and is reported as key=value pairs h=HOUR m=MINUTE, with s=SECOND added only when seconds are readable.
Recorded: h=9 m=24 s=35
